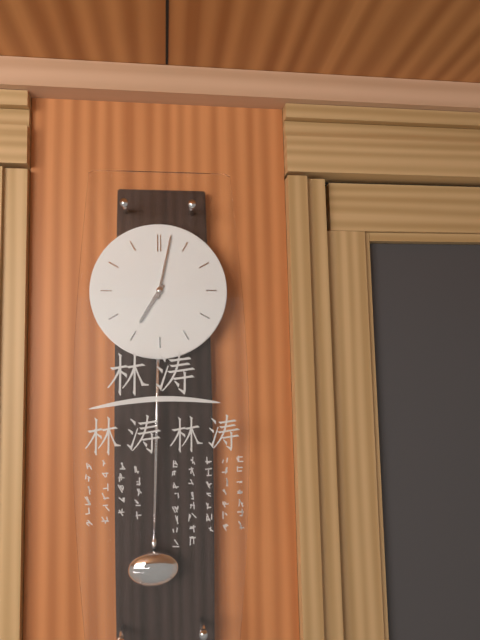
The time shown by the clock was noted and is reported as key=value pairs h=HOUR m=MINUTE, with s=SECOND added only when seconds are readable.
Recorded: h=7 m=2
